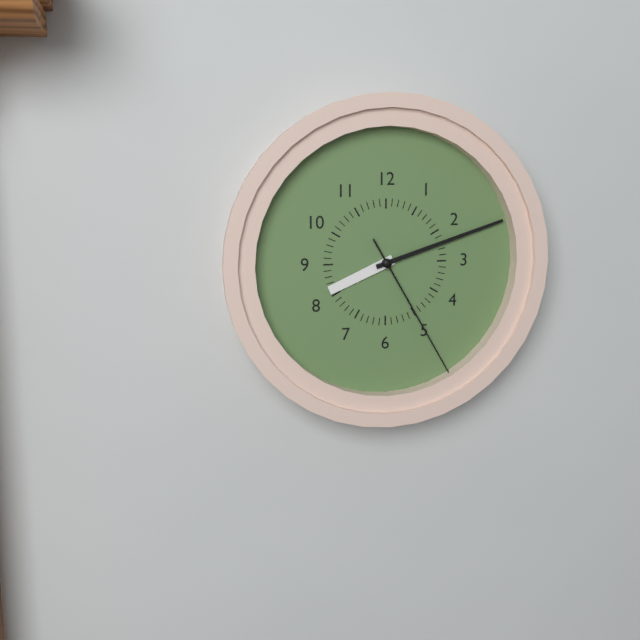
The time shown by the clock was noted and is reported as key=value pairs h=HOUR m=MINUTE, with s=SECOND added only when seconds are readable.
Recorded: h=8 m=12 s=25
